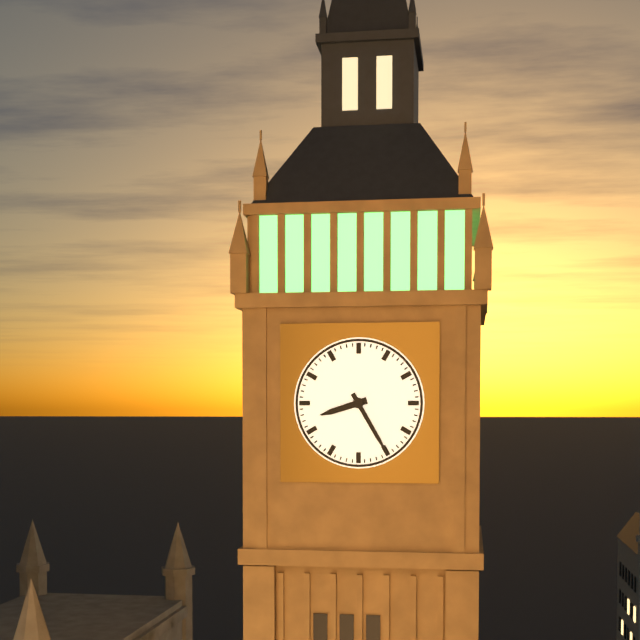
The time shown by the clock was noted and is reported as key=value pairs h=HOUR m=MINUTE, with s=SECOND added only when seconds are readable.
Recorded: h=8 m=25
